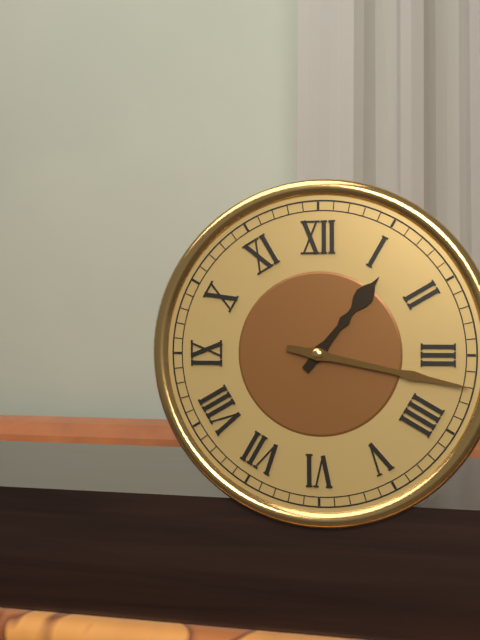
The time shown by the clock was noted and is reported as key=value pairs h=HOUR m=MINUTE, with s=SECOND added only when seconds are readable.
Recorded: h=1 m=17
